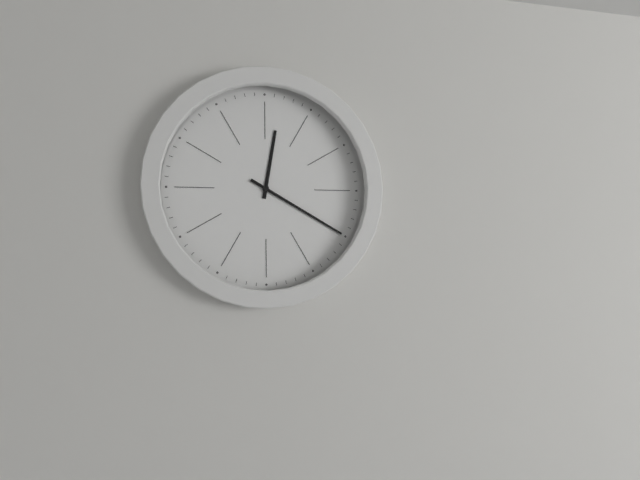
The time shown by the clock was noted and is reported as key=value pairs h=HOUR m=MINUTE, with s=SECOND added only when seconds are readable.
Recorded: h=12 m=20
